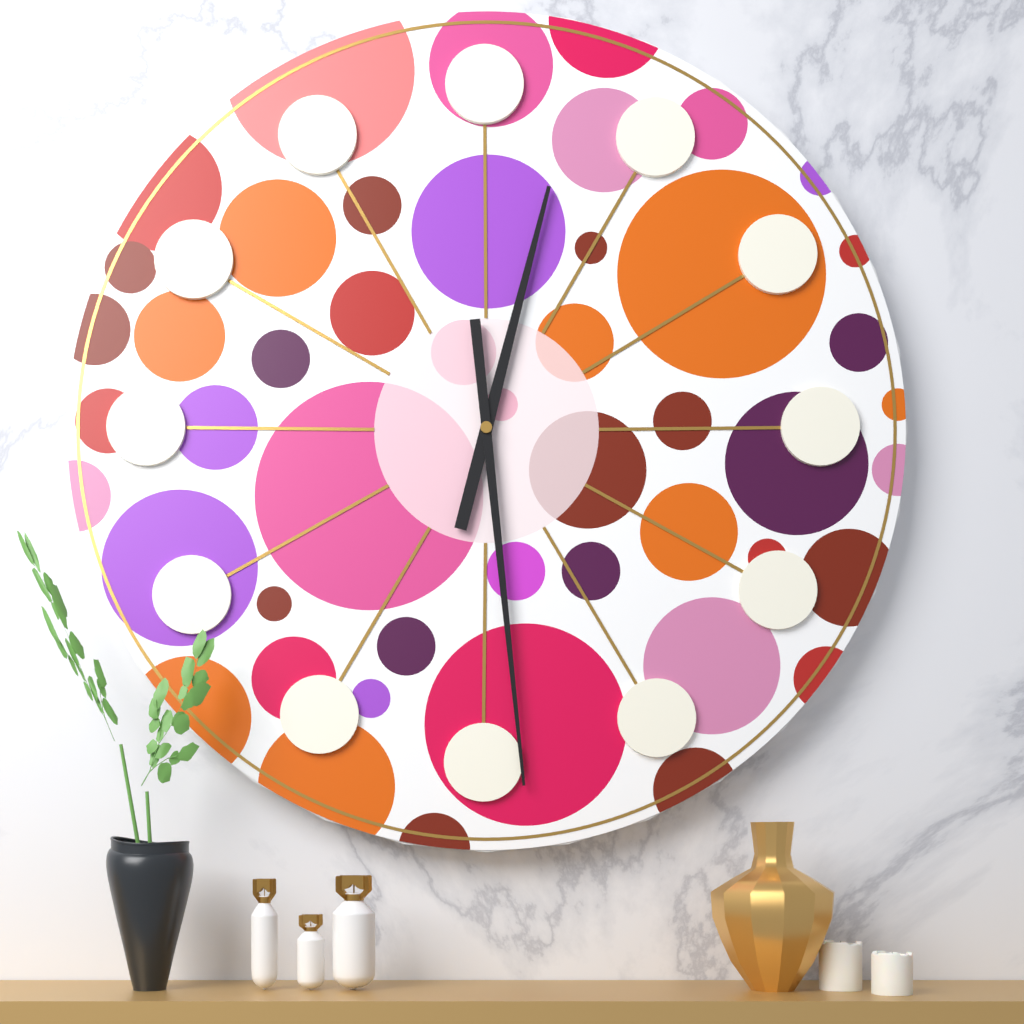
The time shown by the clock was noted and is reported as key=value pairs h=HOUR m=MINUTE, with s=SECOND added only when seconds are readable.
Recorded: h=12 m=29
